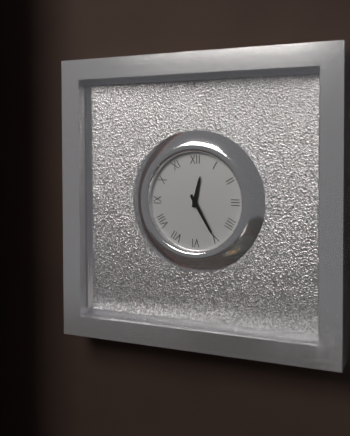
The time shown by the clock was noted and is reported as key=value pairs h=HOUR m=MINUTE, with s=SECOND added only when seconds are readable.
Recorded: h=12 m=25
